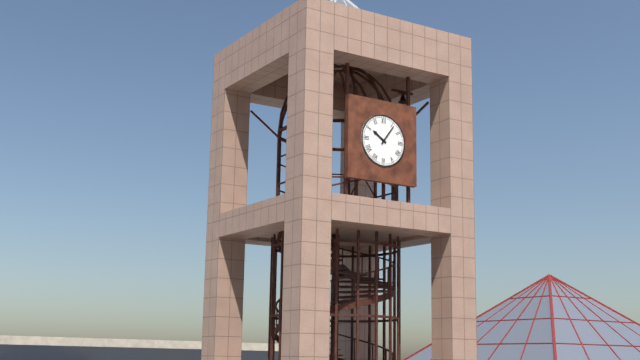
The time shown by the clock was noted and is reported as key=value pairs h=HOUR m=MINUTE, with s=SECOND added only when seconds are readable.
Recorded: h=10 m=6
